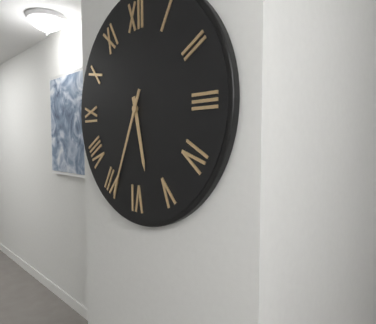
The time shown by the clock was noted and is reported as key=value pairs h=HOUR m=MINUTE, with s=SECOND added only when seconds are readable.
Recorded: h=5 m=34
